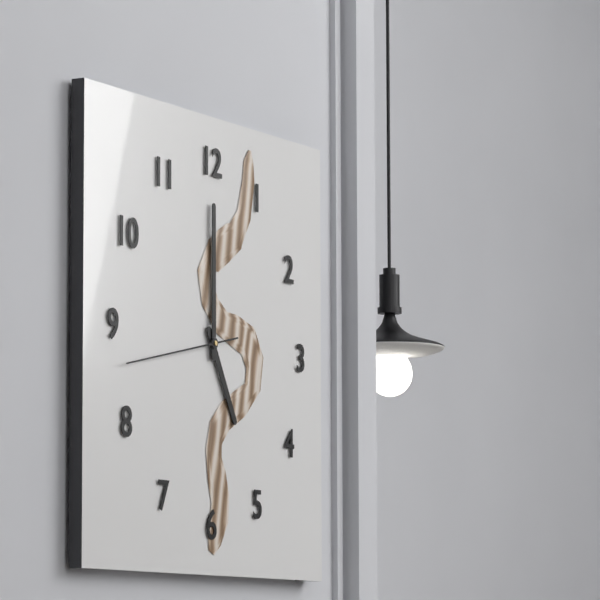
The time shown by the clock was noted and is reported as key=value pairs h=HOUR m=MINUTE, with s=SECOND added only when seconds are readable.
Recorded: h=5 m=0 s=43
